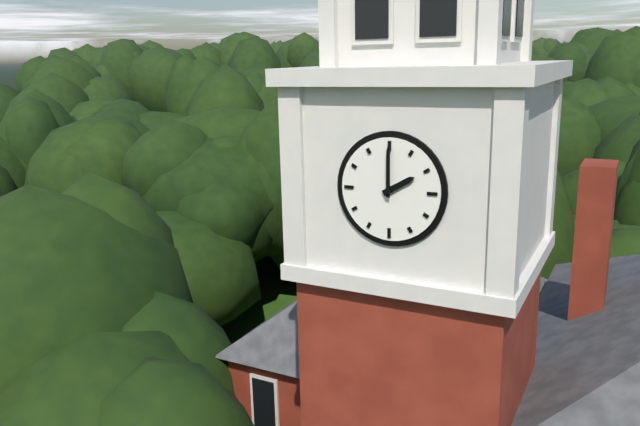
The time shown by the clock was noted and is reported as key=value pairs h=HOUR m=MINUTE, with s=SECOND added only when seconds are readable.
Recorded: h=2 m=0
